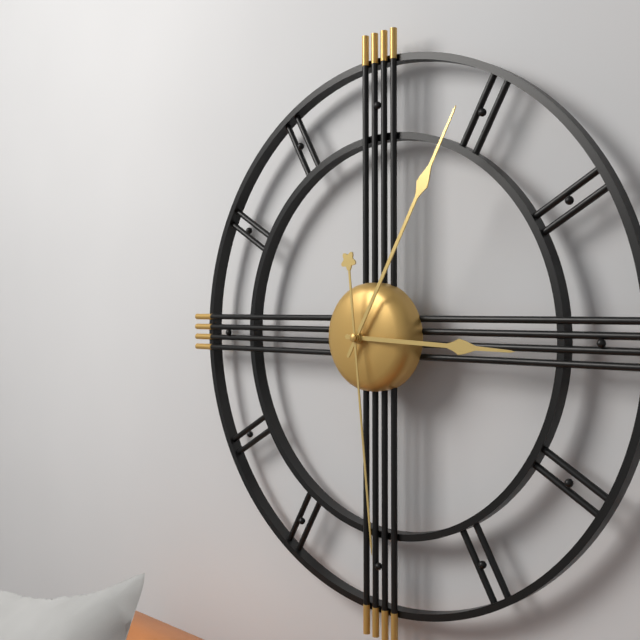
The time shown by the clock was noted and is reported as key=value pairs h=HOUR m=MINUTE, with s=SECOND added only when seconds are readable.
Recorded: h=3 m=5 s=29
